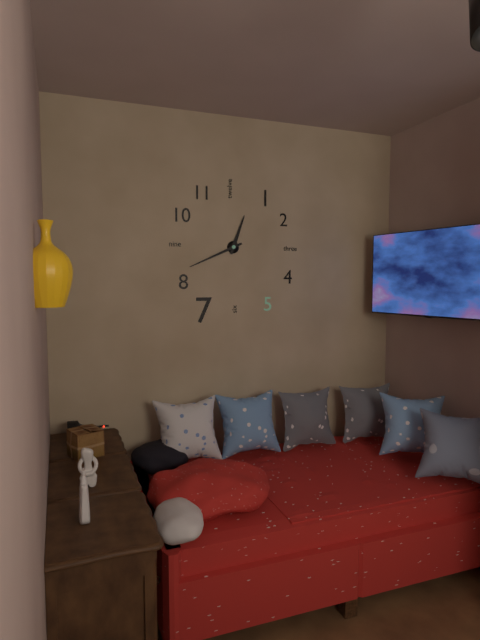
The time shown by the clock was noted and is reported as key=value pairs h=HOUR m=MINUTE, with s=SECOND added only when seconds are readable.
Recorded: h=12 m=41
